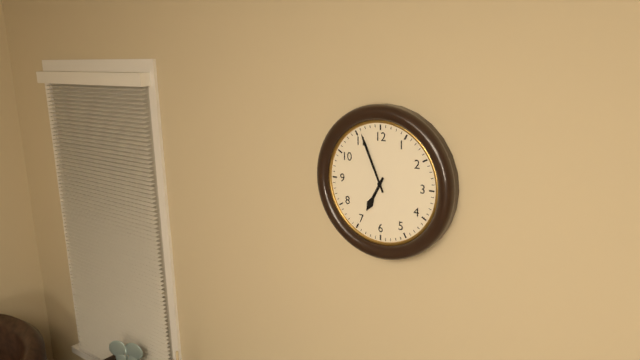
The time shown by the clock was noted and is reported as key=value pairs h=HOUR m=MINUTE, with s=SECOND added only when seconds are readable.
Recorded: h=6 m=56
